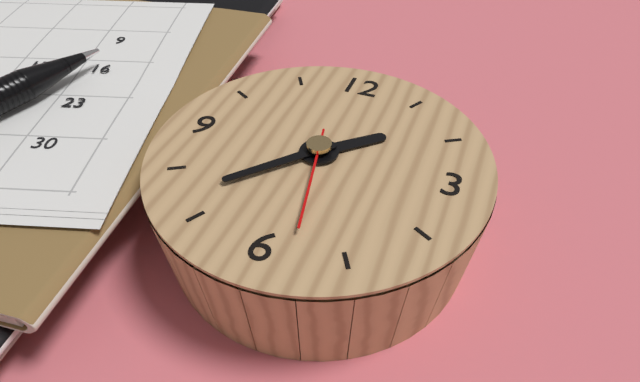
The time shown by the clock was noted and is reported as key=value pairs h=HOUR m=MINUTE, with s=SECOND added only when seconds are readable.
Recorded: h=1 m=37 s=28
